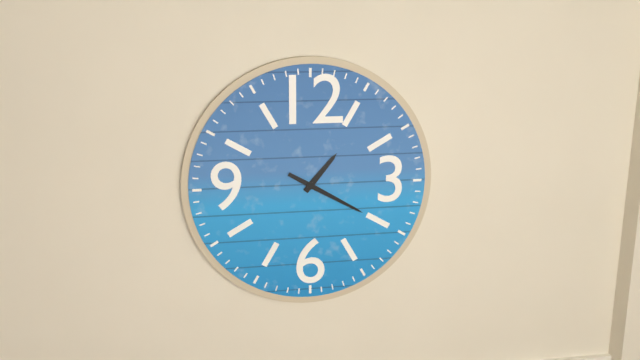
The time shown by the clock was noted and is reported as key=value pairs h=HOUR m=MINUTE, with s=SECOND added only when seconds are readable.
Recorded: h=1 m=20
